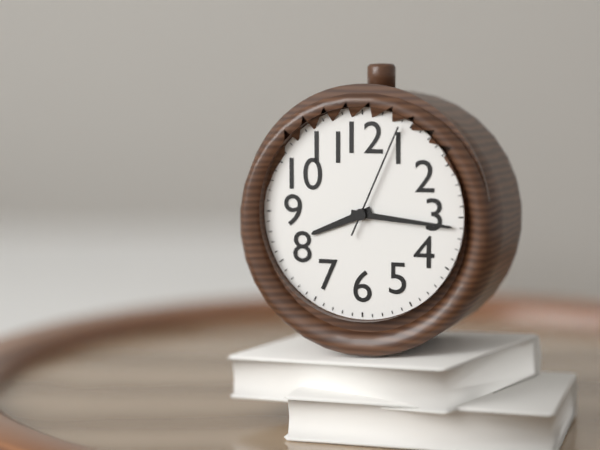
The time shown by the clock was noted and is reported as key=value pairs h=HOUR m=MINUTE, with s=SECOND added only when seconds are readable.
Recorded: h=8 m=16 s=4
